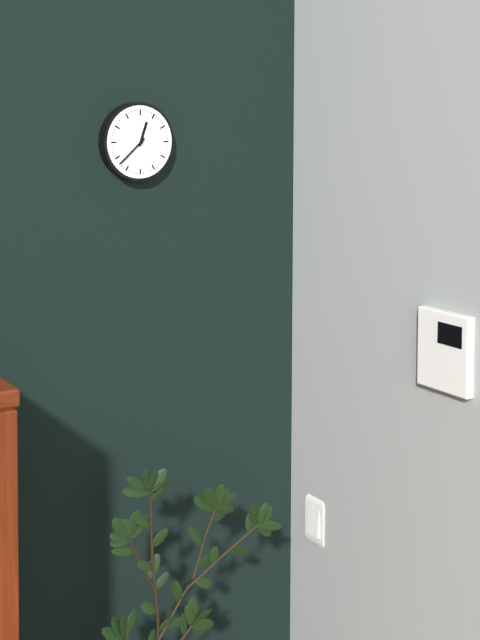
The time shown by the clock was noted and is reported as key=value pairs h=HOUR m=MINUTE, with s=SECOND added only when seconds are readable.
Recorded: h=12 m=38
